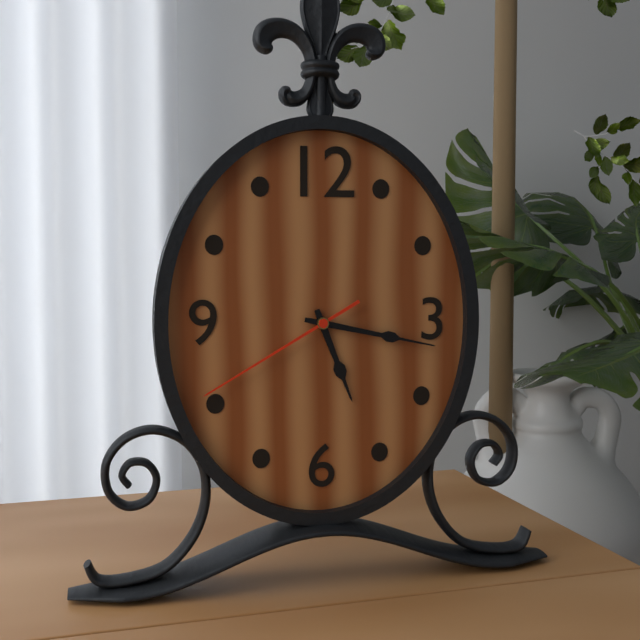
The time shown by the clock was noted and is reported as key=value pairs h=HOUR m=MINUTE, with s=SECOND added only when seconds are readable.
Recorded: h=5 m=17 s=40
